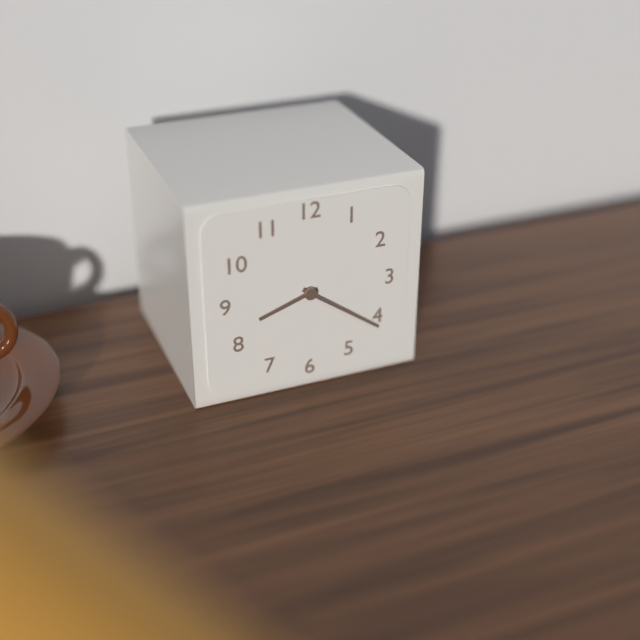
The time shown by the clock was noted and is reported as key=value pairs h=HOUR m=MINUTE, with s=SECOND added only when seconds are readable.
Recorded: h=8 m=21
